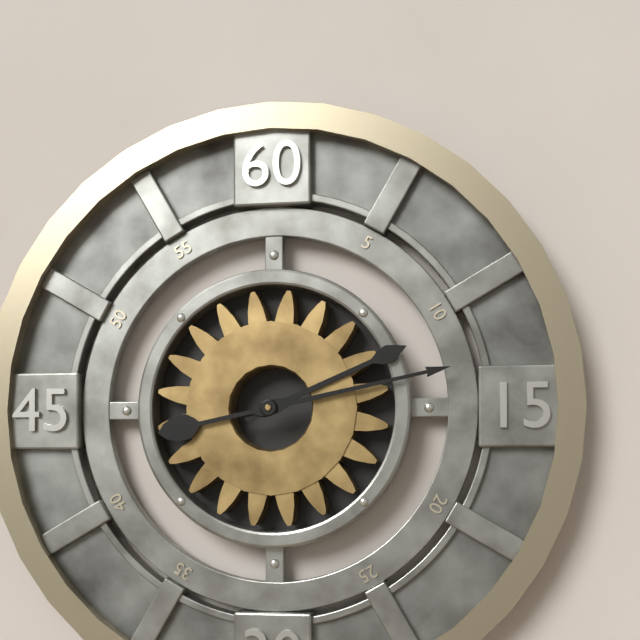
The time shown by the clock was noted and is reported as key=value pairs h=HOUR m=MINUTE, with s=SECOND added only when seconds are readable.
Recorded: h=2 m=13
